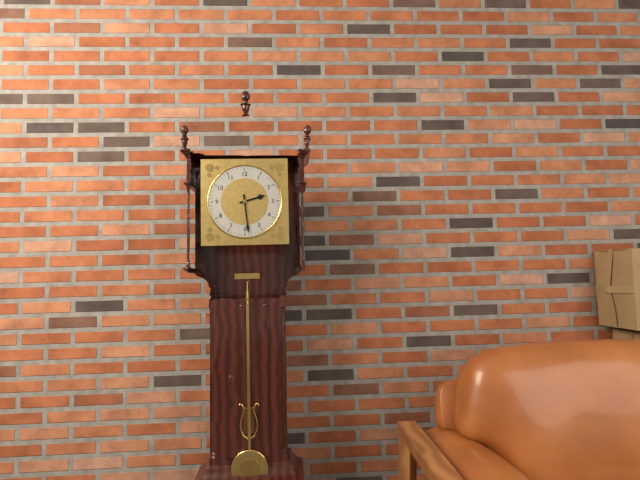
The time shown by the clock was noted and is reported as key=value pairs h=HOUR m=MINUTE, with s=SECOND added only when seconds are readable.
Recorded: h=2 m=29
